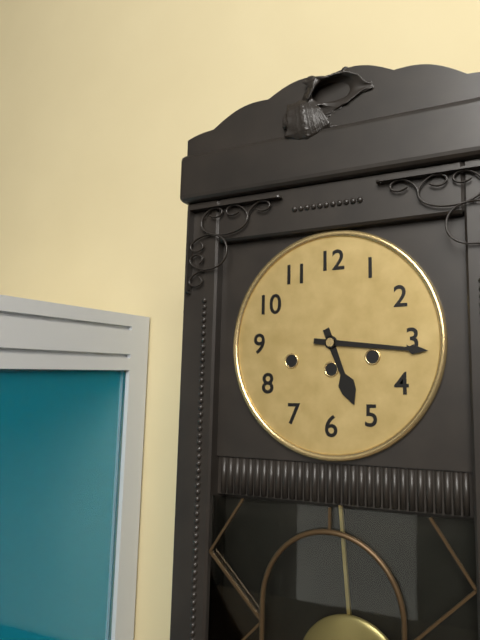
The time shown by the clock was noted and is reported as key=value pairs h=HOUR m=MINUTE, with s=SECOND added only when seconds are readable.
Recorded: h=5 m=16
